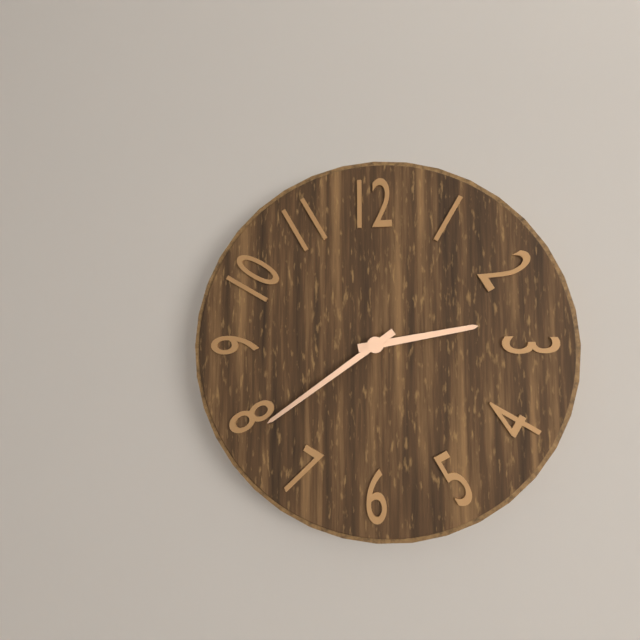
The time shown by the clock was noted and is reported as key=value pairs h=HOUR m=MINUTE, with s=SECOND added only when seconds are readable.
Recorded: h=2 m=39
